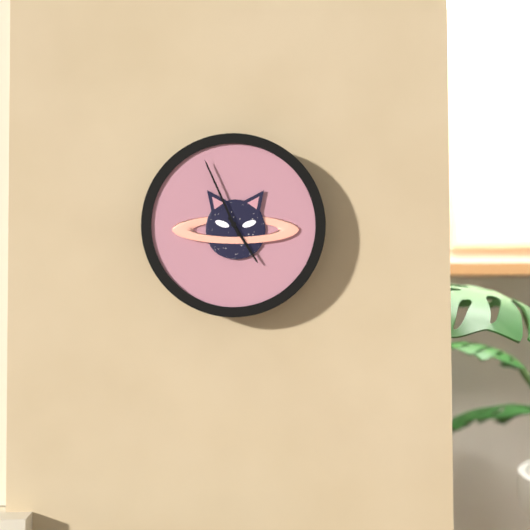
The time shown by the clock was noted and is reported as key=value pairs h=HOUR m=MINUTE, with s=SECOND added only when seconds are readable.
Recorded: h=4 m=56
